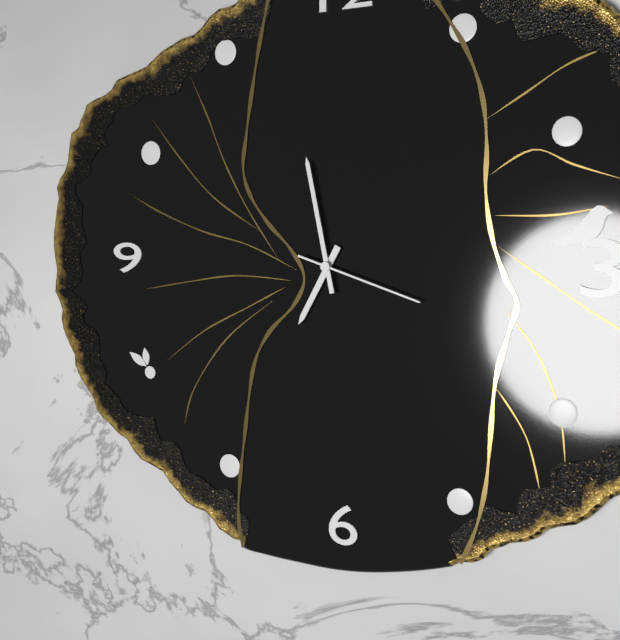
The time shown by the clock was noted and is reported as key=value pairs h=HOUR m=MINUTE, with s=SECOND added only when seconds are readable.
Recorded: h=6 m=58 s=18
